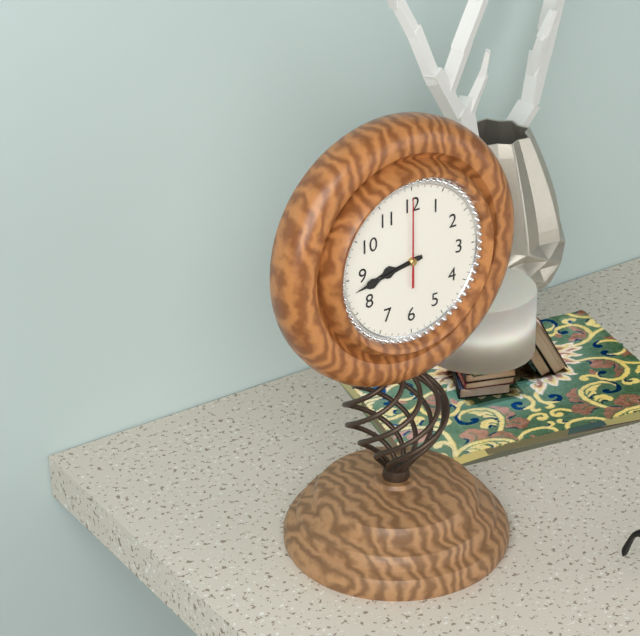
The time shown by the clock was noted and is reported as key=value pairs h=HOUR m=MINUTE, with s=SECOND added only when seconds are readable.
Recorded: h=8 m=43 s=0
